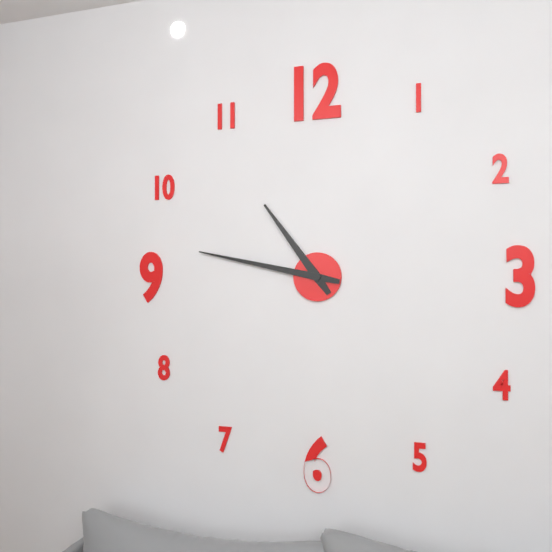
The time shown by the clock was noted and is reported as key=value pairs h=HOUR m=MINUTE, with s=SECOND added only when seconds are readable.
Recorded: h=10 m=47
